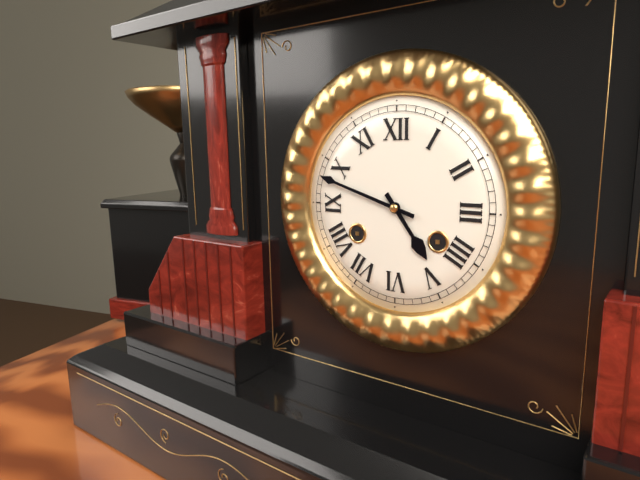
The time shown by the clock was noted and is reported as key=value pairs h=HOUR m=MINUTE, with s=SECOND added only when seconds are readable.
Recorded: h=4 m=48
